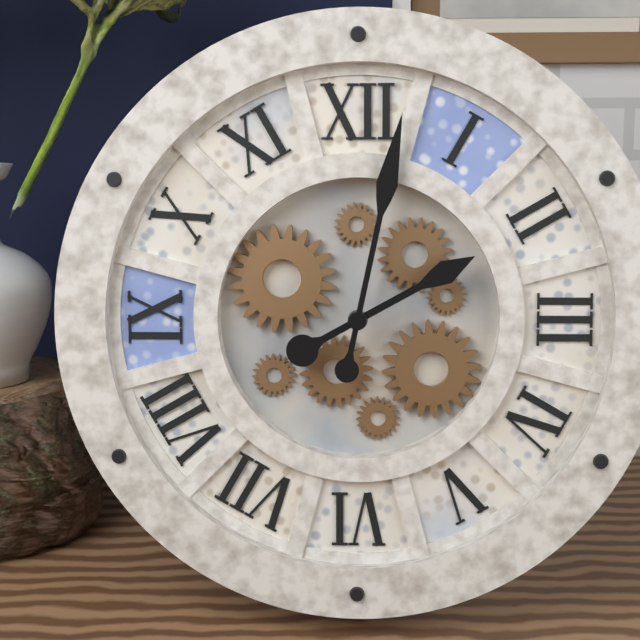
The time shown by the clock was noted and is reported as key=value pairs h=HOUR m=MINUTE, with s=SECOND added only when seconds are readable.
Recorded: h=2 m=2
